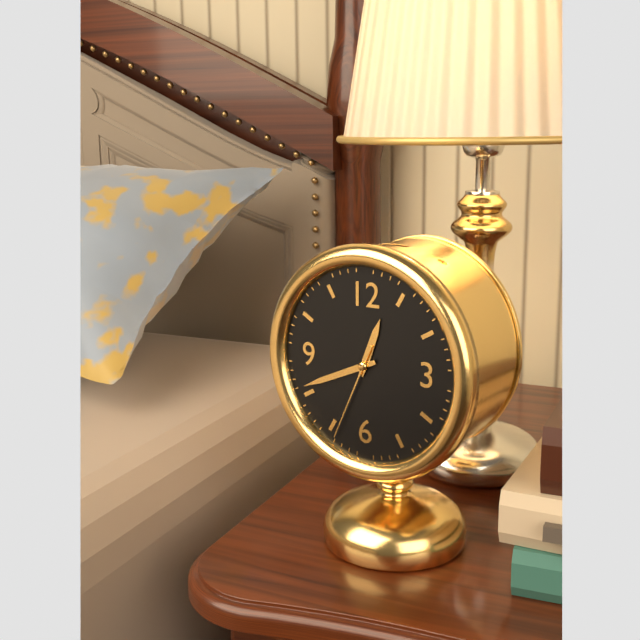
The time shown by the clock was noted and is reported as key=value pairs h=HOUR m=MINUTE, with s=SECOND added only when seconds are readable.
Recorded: h=12 m=41 s=34
